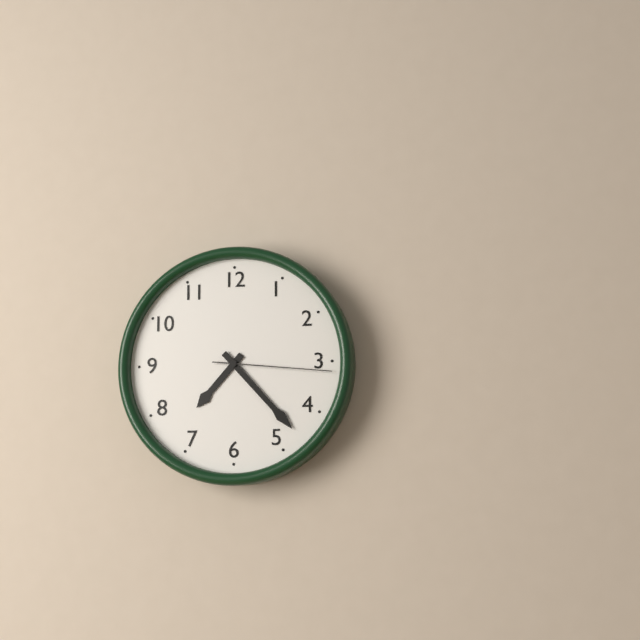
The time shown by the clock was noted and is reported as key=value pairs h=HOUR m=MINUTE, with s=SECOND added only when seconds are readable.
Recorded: h=7 m=23 s=16
